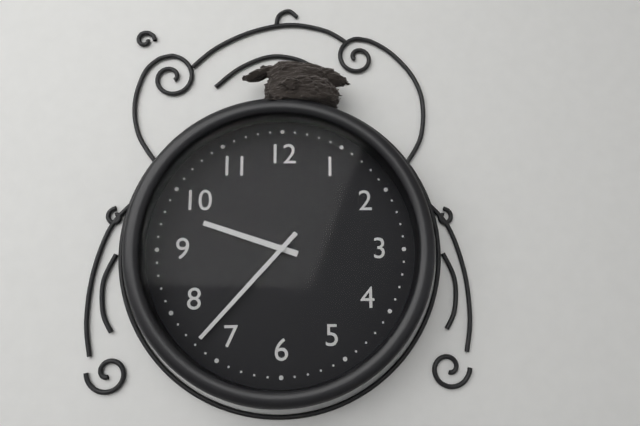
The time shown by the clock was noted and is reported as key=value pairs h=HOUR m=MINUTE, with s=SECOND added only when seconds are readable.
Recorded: h=9 m=37
